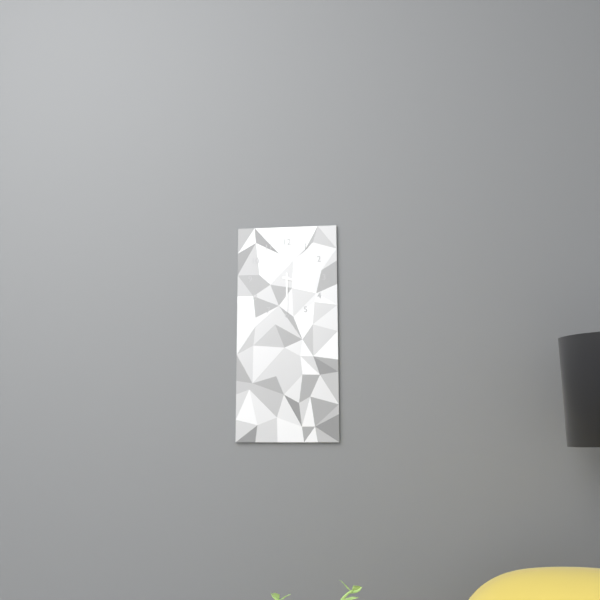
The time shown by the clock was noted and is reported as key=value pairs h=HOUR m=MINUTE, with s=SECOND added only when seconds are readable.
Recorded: h=3 m=30
